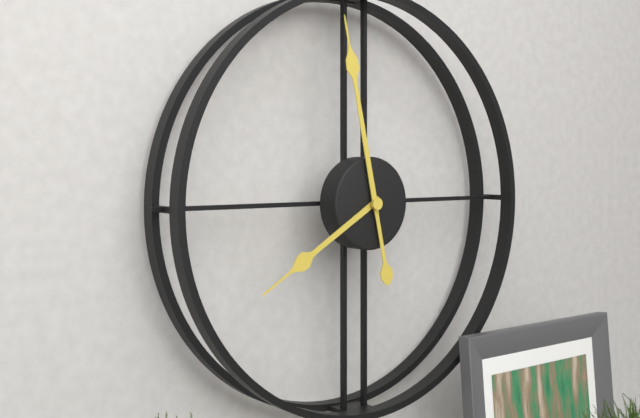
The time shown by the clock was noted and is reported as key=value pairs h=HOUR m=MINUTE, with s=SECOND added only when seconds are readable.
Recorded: h=7 m=58
